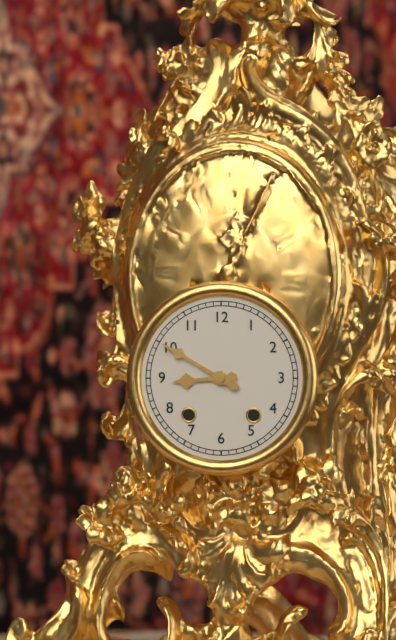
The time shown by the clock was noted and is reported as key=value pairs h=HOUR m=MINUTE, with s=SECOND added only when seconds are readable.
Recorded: h=8 m=50
